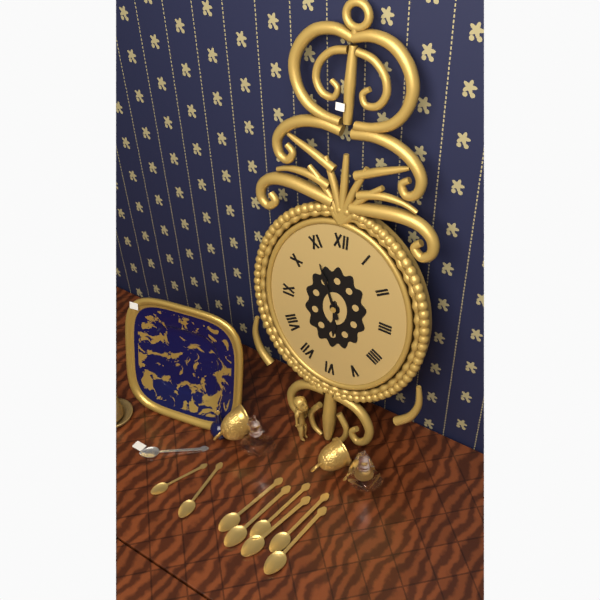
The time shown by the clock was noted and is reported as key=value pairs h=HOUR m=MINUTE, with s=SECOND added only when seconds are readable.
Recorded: h=5 m=56
